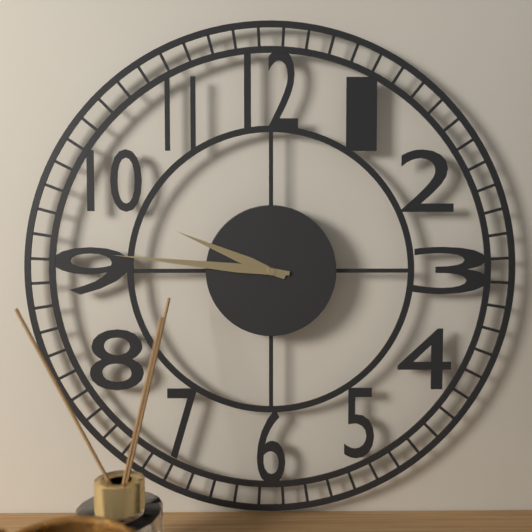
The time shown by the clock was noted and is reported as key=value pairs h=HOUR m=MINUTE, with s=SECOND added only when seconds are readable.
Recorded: h=9 m=46
